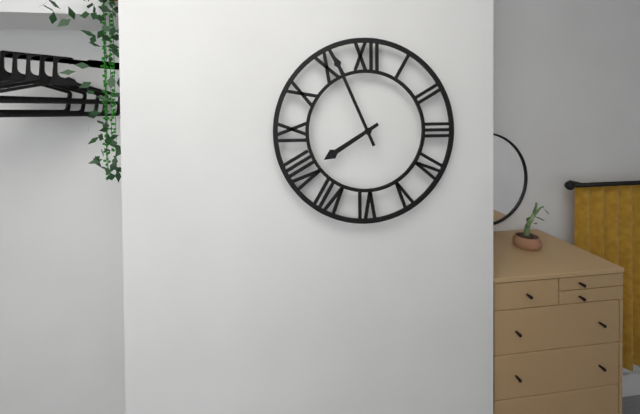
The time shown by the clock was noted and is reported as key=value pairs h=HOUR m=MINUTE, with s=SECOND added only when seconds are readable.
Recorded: h=7 m=56
